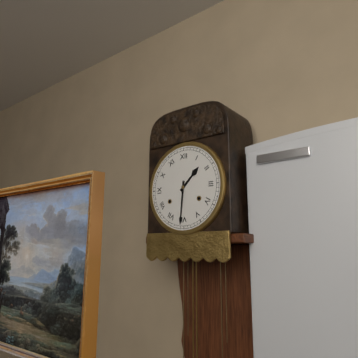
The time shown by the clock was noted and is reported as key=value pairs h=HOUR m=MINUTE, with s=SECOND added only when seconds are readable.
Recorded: h=1 m=31
